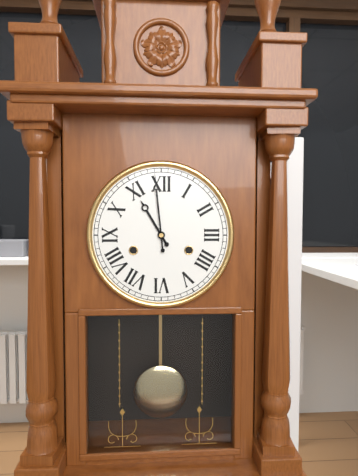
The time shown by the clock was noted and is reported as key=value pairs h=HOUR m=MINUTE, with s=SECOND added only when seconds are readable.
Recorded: h=10 m=59
